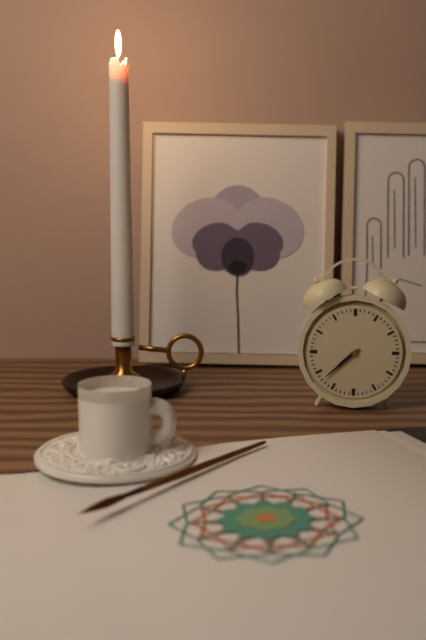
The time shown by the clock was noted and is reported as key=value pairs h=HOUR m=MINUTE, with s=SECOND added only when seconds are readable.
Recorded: h=7 m=38
